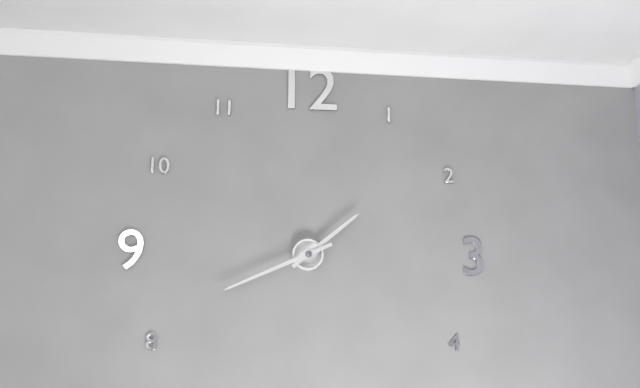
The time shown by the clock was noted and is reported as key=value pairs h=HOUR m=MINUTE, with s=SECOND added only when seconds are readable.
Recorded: h=1 m=41
